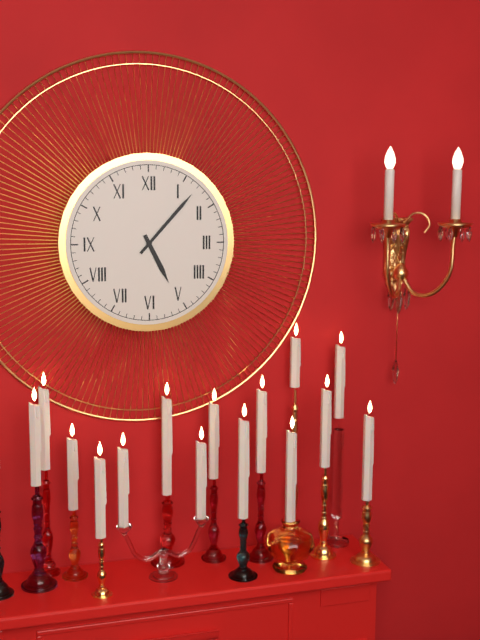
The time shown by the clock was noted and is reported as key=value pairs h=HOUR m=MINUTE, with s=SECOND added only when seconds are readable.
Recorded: h=5 m=7
